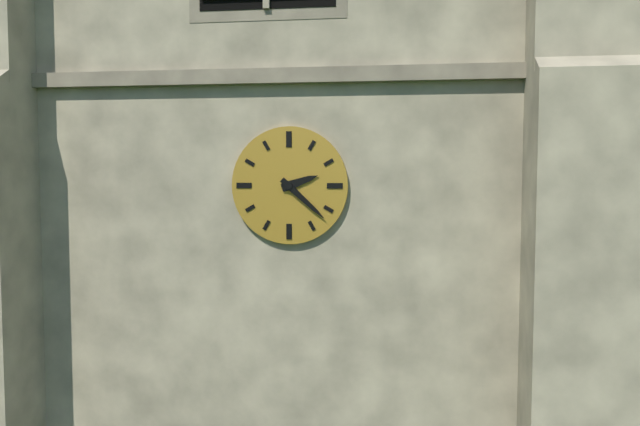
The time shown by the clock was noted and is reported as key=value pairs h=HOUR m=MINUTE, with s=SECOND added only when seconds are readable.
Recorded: h=2 m=22
